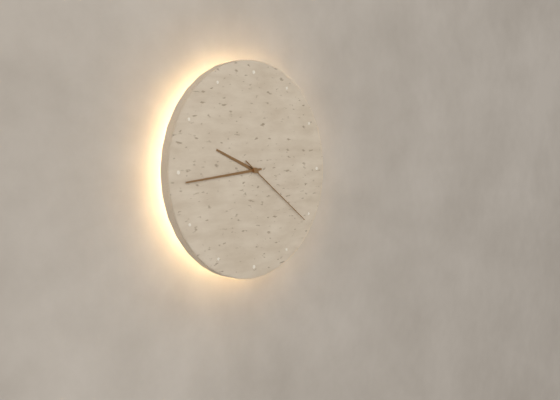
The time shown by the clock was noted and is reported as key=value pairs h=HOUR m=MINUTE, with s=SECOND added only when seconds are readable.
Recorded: h=9 m=44 s=21
